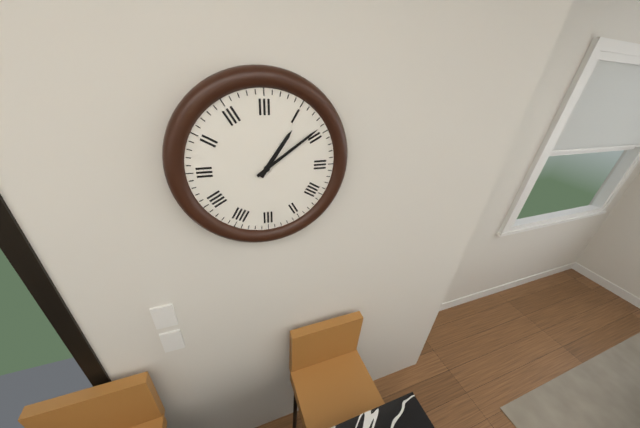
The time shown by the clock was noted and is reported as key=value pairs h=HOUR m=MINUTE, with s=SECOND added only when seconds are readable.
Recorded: h=1 m=9
